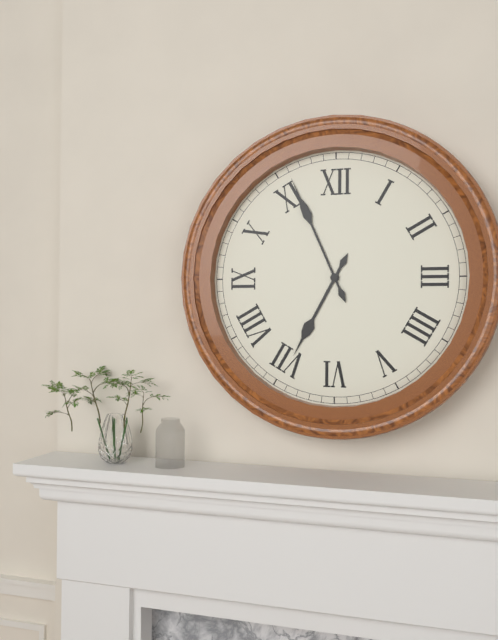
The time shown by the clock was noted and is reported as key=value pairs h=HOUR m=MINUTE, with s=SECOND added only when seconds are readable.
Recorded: h=6 m=56
